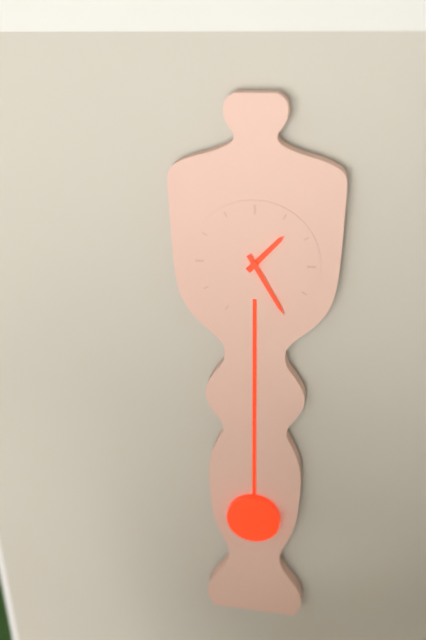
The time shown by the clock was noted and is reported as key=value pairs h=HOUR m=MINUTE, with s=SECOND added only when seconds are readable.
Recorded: h=1 m=25
